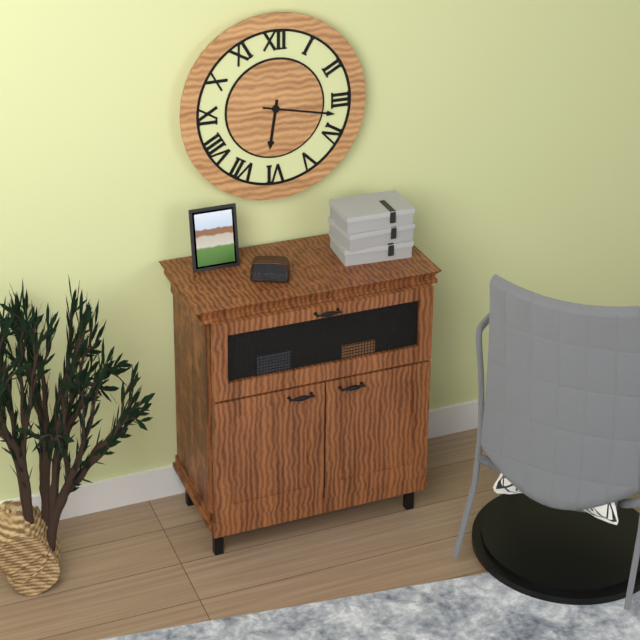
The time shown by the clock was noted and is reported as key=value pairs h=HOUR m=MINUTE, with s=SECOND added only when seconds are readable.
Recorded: h=6 m=17
